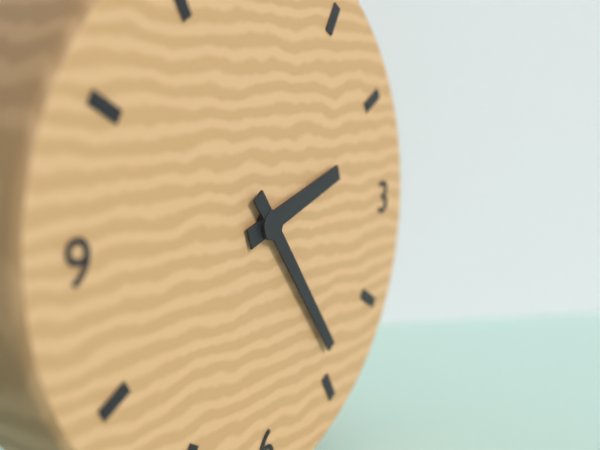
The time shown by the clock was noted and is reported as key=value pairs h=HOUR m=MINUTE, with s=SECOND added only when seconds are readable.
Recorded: h=2 m=24
